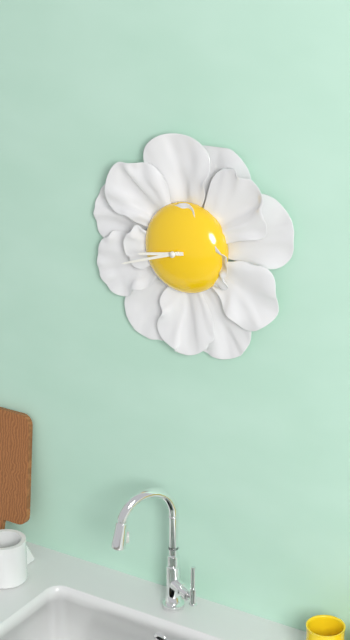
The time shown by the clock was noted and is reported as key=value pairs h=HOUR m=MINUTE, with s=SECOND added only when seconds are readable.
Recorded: h=8 m=42
